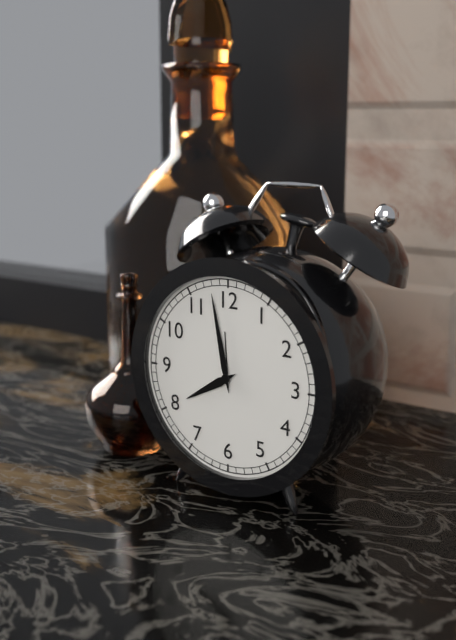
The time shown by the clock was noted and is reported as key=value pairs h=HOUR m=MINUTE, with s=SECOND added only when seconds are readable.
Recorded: h=7 m=58
